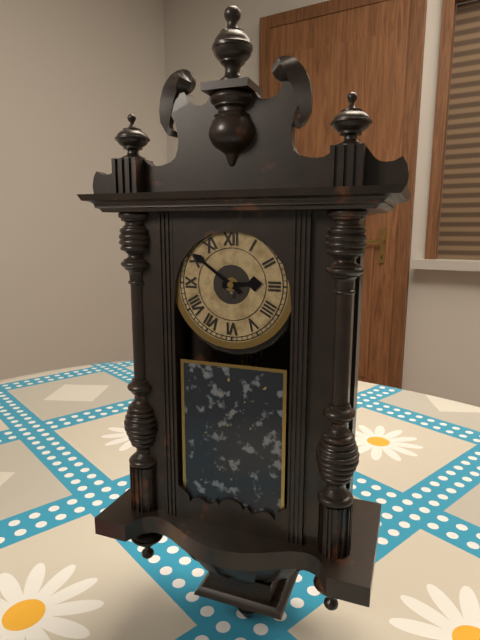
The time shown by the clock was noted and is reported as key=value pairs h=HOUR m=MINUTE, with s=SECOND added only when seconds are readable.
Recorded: h=2 m=51
